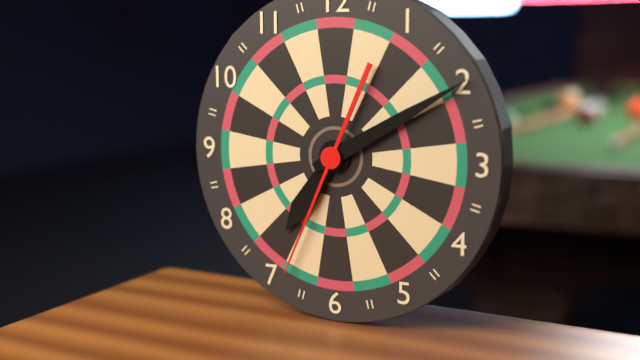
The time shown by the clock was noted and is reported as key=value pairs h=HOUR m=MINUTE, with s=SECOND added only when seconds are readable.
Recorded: h=7 m=10 s=34
